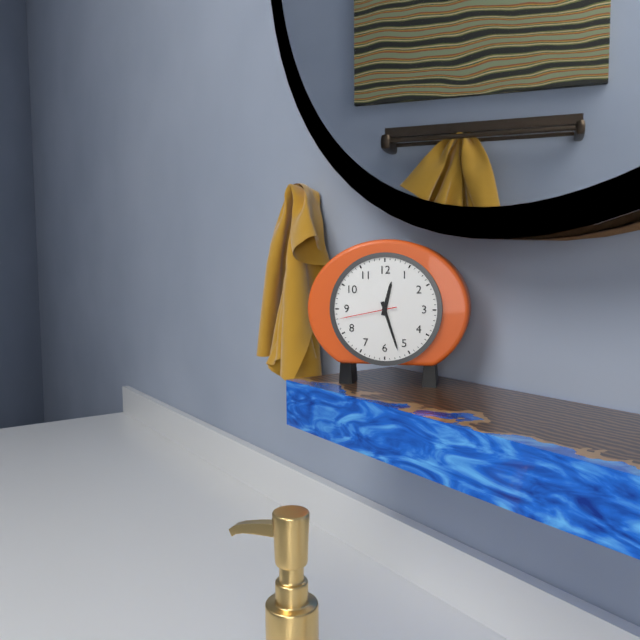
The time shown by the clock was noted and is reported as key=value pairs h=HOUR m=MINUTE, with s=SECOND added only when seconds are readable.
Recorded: h=12 m=27 s=43
